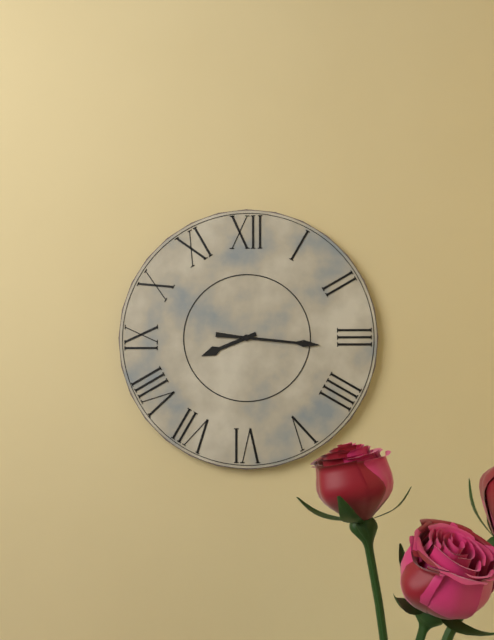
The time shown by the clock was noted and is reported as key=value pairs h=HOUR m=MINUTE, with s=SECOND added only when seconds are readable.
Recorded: h=8 m=16
